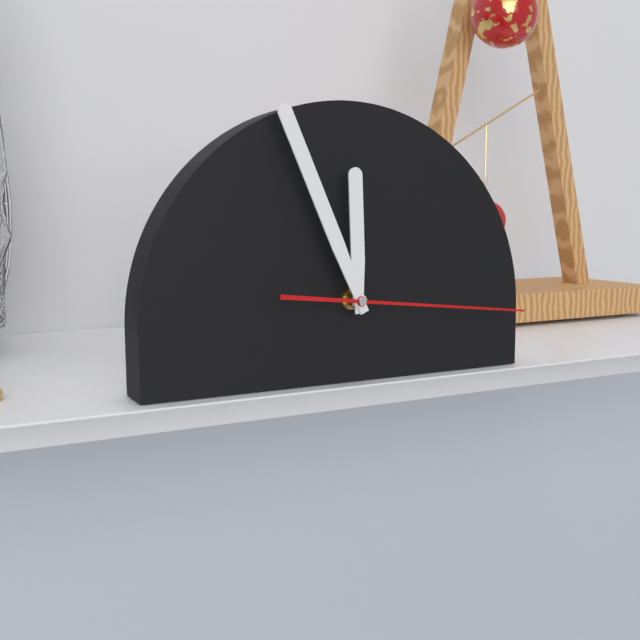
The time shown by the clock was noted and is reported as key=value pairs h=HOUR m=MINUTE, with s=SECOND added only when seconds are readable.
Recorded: h=11 m=56 s=16
